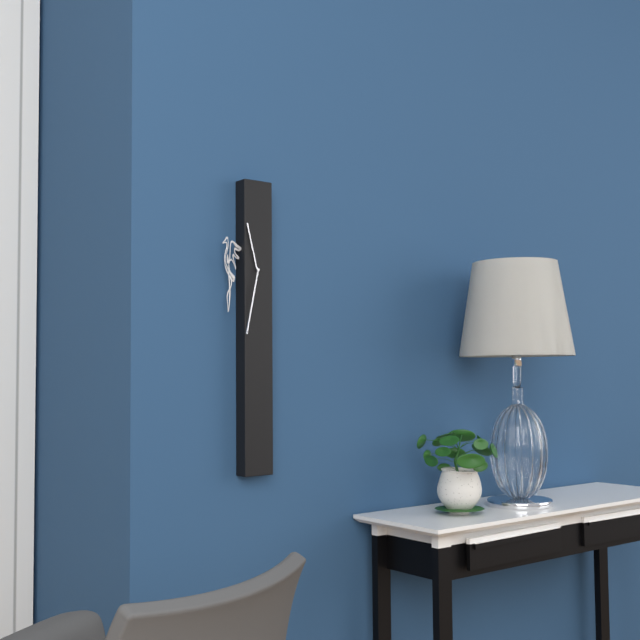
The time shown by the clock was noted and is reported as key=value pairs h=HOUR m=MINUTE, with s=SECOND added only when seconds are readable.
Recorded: h=11 m=32
